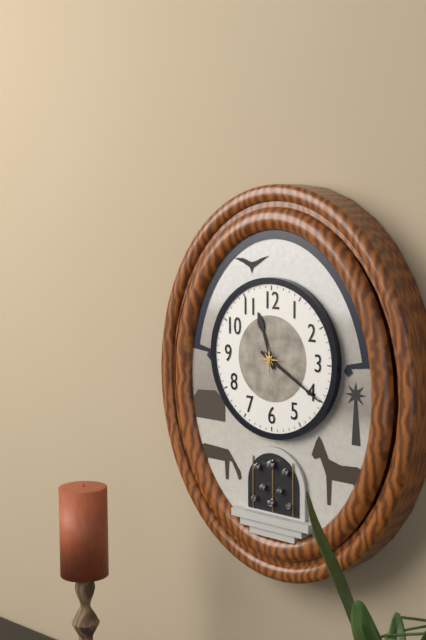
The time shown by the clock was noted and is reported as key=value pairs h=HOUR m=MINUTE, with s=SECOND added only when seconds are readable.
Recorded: h=11 m=20
